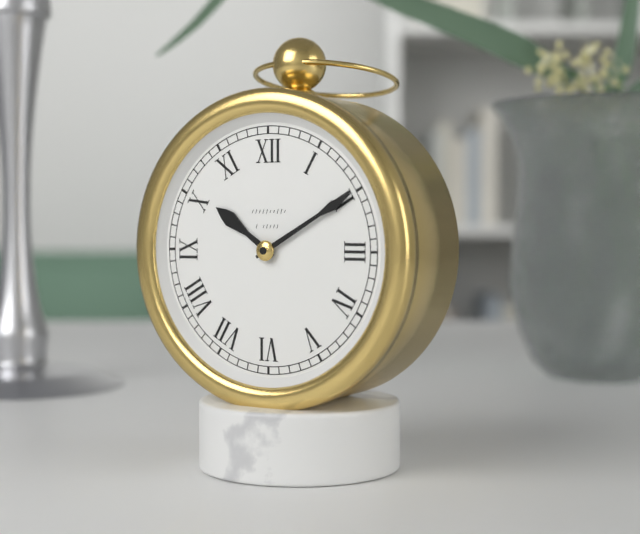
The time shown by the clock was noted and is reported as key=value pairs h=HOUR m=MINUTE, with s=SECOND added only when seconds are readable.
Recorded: h=10 m=10
